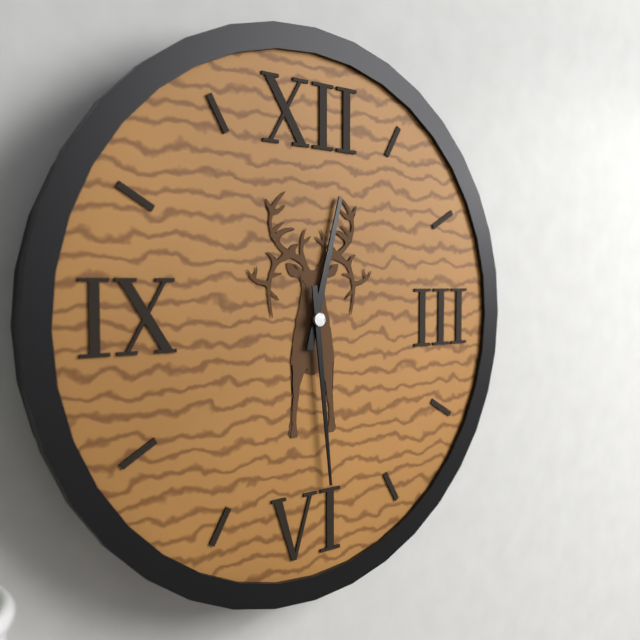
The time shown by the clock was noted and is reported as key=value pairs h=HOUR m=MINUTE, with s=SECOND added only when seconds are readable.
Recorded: h=12 m=29
